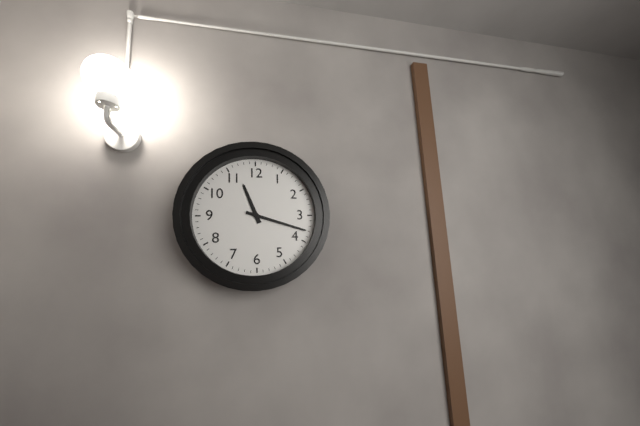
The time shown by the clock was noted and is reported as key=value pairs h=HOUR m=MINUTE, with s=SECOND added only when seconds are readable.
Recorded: h=11 m=18
